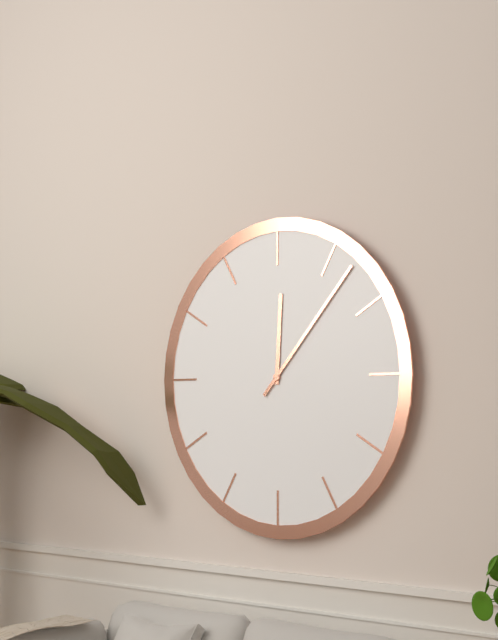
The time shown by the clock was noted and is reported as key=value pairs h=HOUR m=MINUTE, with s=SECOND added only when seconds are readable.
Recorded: h=12 m=7
